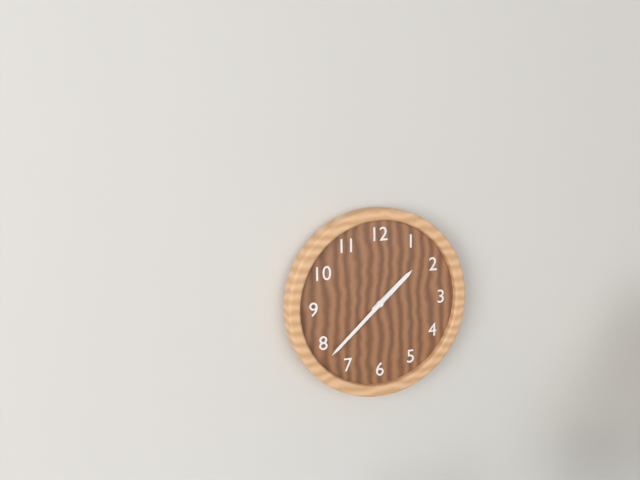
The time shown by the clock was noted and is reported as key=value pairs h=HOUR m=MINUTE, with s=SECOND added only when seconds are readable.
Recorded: h=1 m=38
